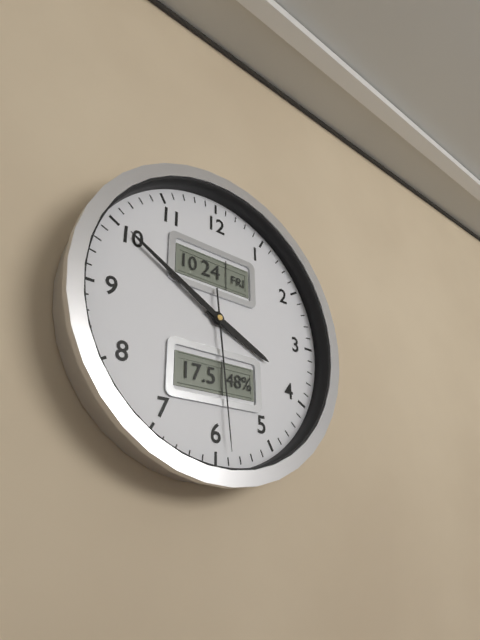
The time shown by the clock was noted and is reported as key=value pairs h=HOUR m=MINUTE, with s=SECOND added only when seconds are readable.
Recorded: h=3 m=50 s=29
